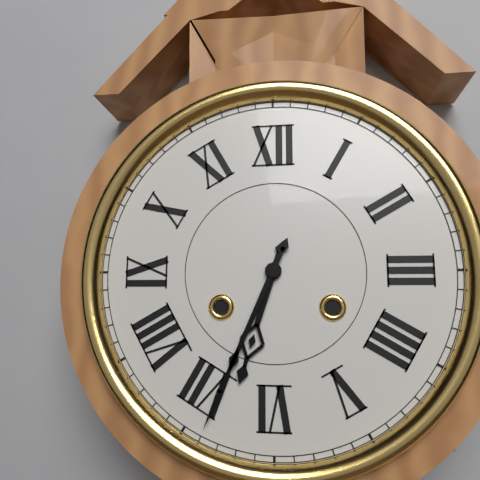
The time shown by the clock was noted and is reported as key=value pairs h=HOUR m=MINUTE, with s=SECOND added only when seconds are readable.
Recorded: h=6 m=34
